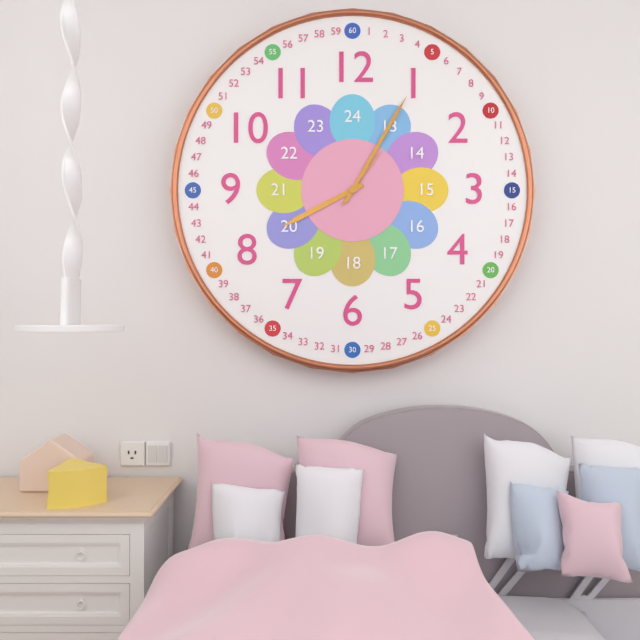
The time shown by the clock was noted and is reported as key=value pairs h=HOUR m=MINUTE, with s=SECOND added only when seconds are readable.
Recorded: h=8 m=5 s=6
